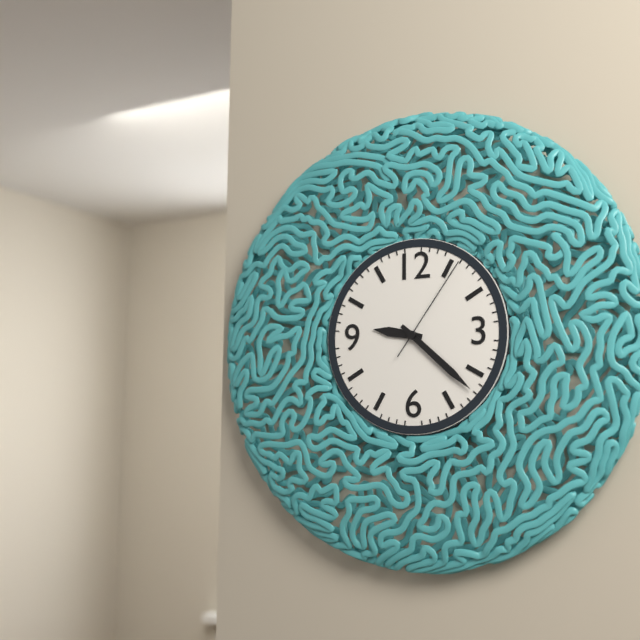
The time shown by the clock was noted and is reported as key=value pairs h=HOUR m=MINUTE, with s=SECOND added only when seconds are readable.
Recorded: h=9 m=22 s=6
